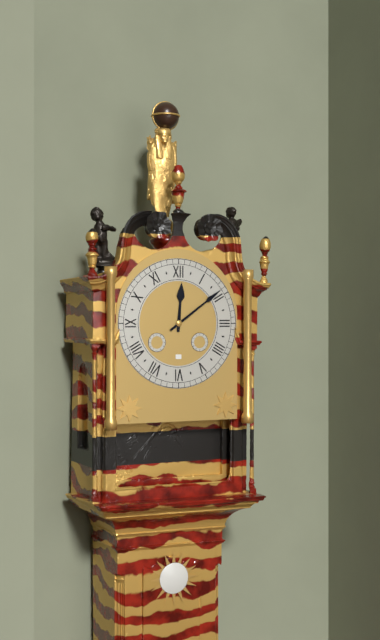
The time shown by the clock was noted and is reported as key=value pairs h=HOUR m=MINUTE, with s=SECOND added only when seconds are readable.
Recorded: h=12 m=9
